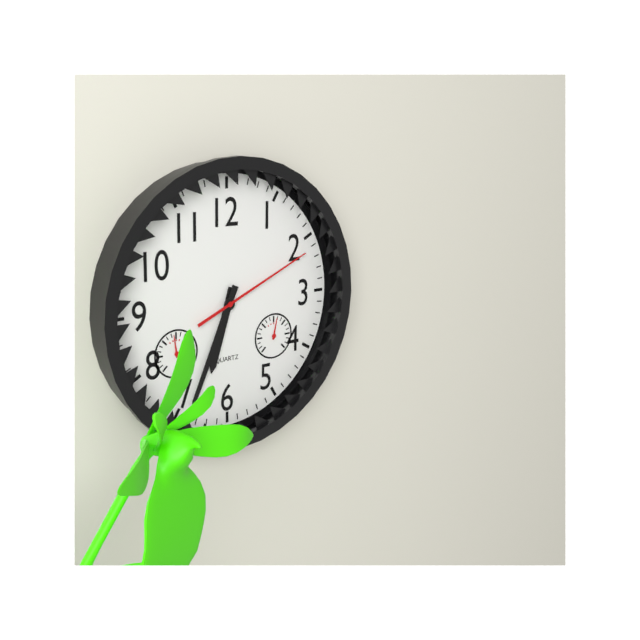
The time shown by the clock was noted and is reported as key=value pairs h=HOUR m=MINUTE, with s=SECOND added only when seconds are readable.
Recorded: h=6 m=34 s=11
